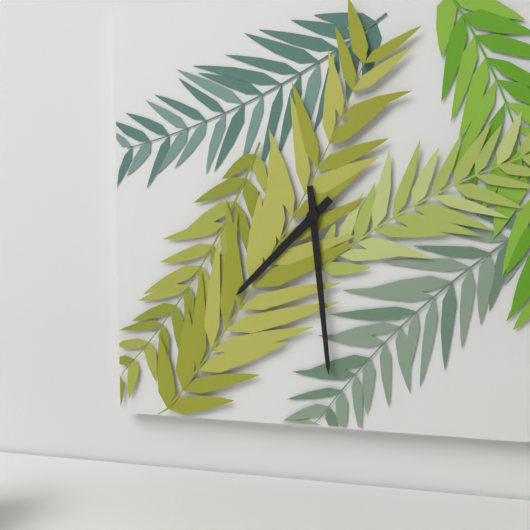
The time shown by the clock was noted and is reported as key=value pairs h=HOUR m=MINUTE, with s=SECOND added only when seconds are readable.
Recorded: h=7 m=29
